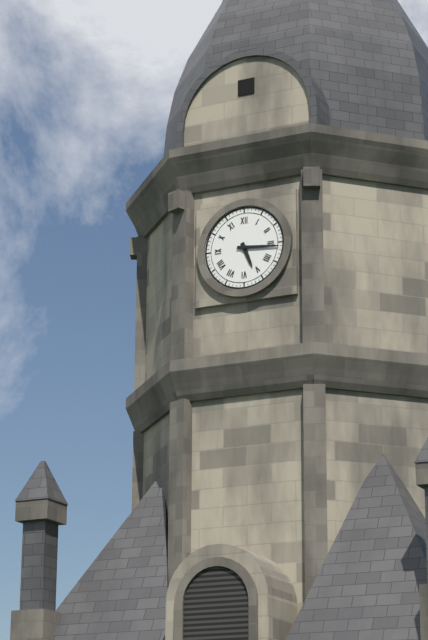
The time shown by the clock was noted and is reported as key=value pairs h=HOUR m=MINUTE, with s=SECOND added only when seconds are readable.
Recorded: h=5 m=16
